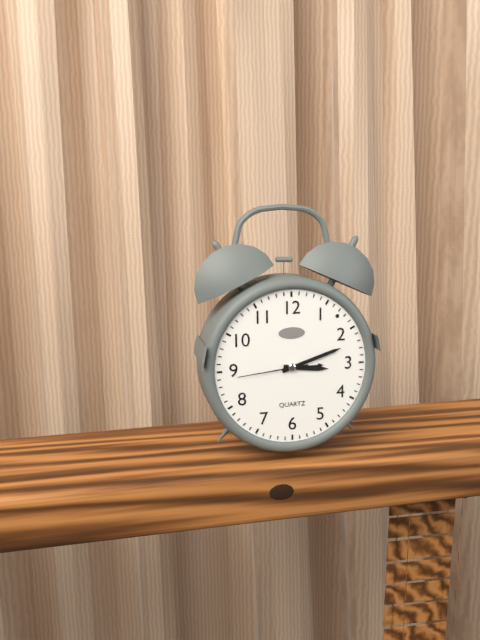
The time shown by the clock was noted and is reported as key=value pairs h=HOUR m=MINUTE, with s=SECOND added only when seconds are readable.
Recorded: h=3 m=12 s=44
